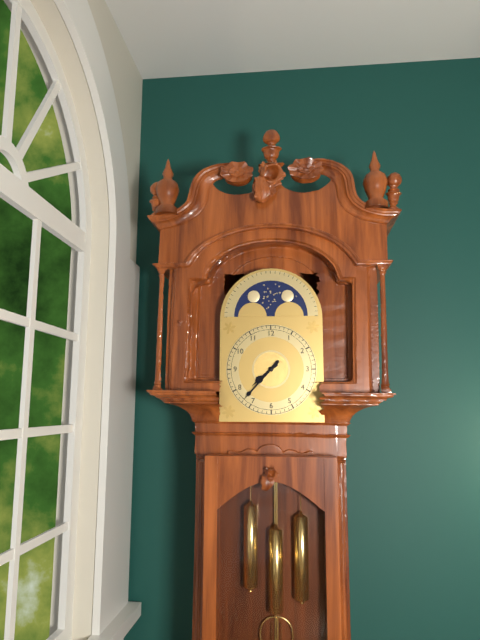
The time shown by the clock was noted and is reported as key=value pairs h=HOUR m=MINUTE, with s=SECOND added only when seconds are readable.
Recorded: h=7 m=37
